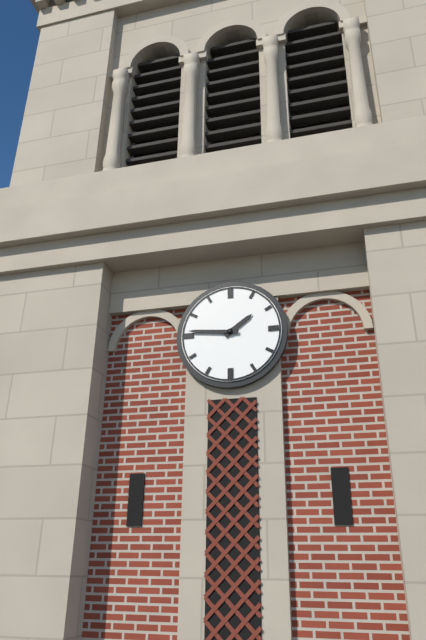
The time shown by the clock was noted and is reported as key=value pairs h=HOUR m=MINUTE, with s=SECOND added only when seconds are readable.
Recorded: h=1 m=46
